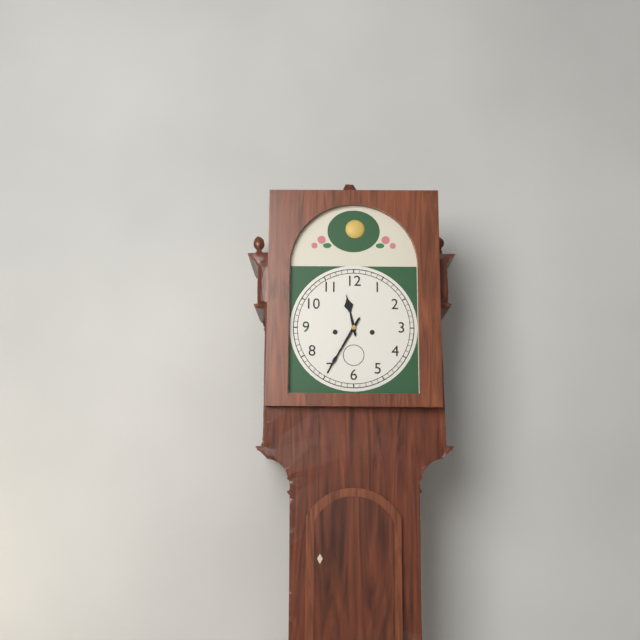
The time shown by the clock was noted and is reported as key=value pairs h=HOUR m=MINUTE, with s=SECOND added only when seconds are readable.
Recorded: h=11 m=35
